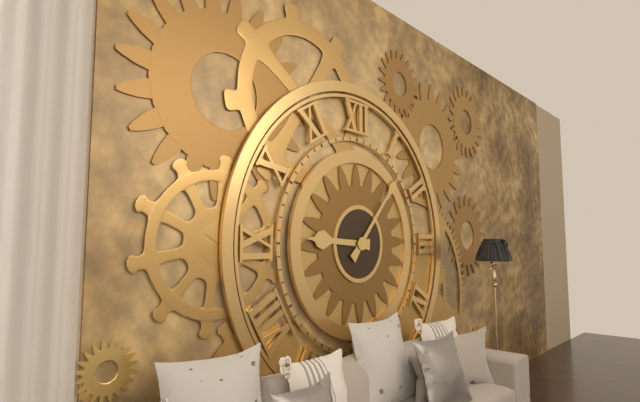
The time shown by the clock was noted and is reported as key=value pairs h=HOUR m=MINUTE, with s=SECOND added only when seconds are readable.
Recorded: h=9 m=7
